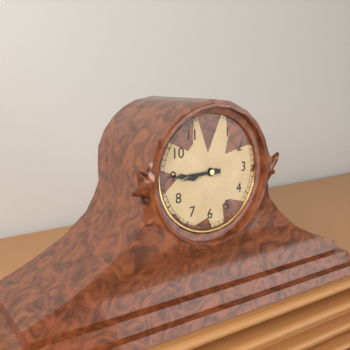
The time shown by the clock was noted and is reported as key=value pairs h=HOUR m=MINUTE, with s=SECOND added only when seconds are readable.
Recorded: h=8 m=45
